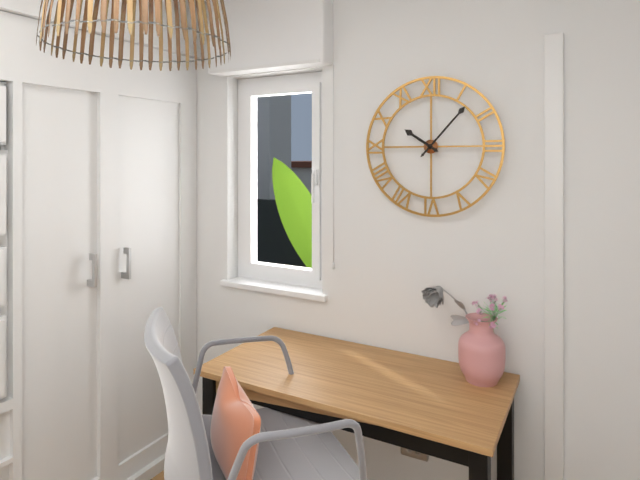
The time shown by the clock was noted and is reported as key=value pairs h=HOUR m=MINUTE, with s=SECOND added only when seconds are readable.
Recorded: h=10 m=7
